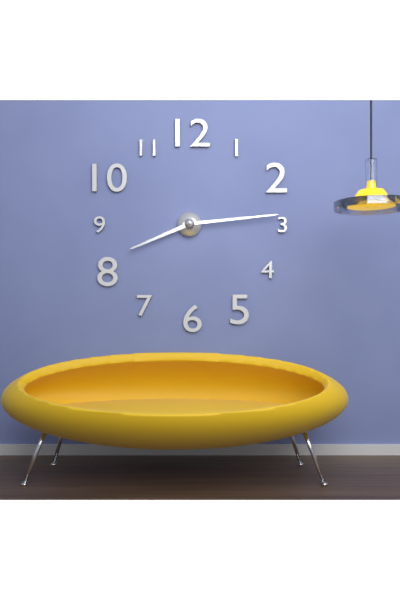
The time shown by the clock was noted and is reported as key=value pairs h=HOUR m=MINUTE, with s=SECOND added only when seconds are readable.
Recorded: h=8 m=14
